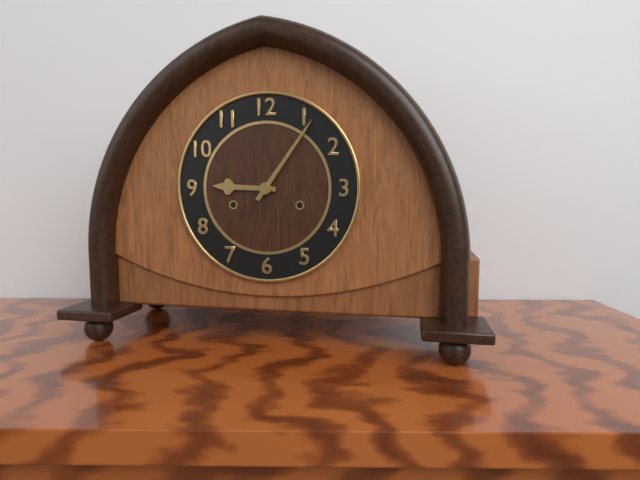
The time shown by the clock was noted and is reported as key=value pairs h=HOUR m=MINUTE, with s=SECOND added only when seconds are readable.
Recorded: h=9 m=6
